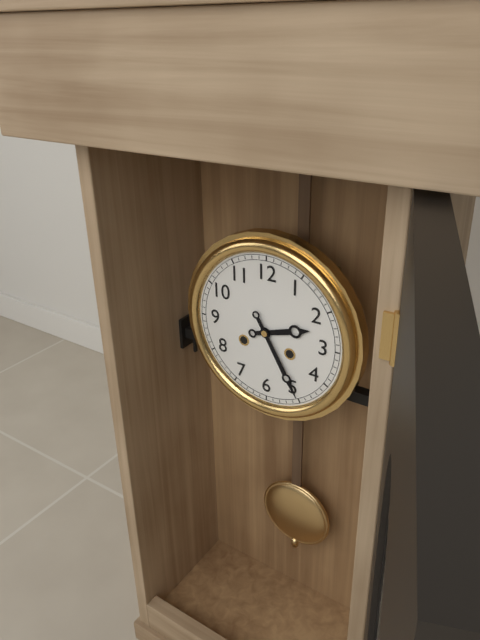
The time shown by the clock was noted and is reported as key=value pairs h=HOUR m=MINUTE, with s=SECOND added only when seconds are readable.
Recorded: h=2 m=25
